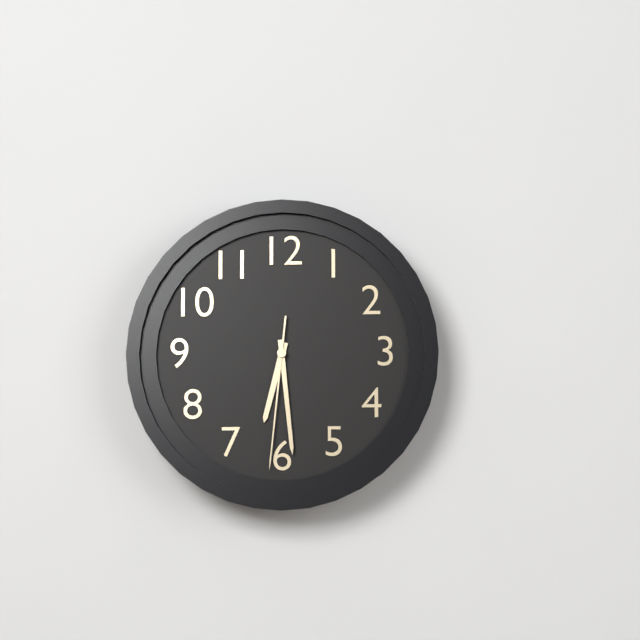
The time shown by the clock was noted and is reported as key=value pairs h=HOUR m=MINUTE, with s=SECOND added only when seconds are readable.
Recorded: h=6 m=29 s=31
